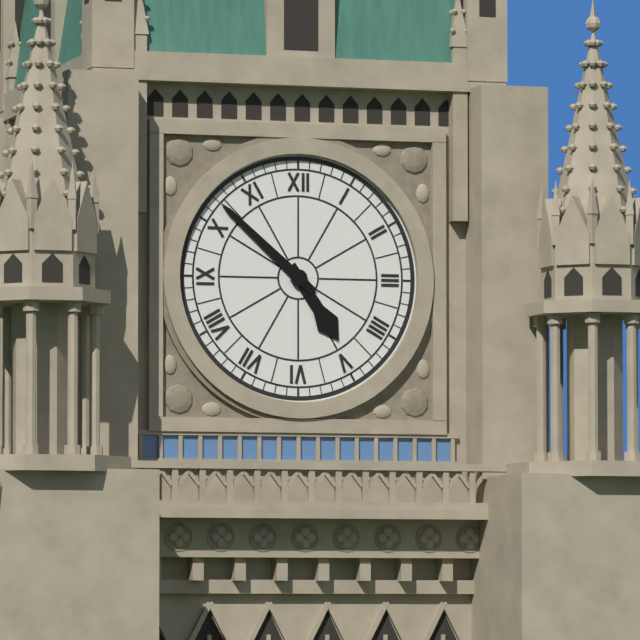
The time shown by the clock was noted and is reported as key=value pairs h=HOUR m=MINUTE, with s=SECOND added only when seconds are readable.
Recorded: h=4 m=52
